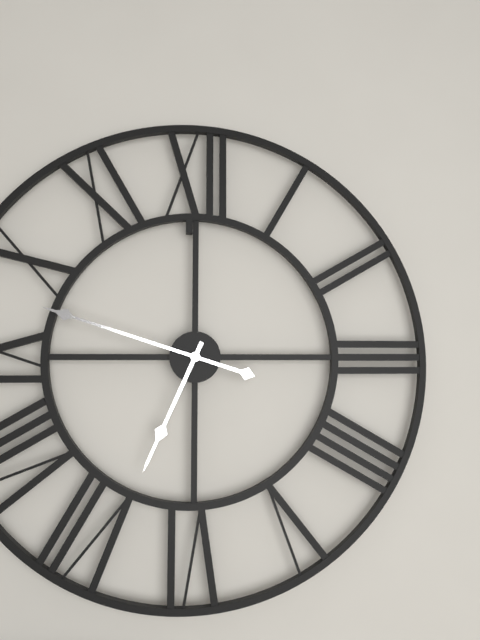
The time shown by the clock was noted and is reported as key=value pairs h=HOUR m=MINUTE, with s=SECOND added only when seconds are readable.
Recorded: h=6 m=48
